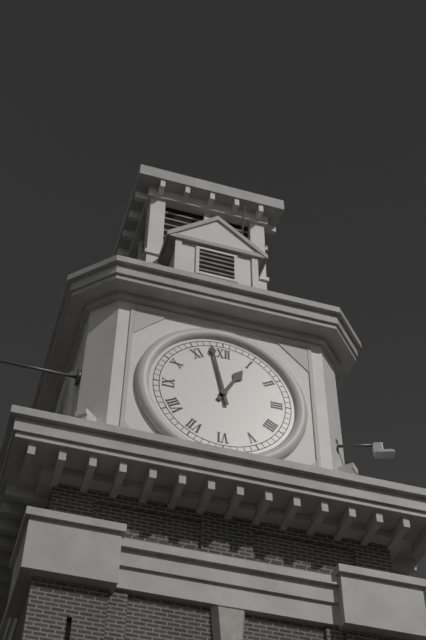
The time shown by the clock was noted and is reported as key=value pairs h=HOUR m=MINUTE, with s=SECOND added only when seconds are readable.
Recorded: h=12 m=58
